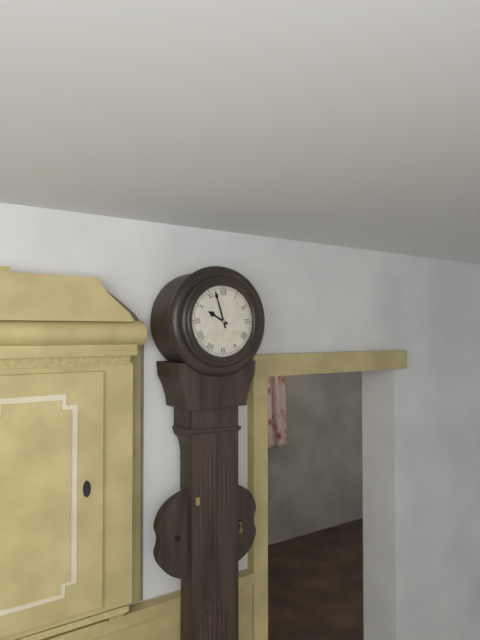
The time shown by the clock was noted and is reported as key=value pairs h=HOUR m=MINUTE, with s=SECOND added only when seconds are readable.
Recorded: h=9 m=57
